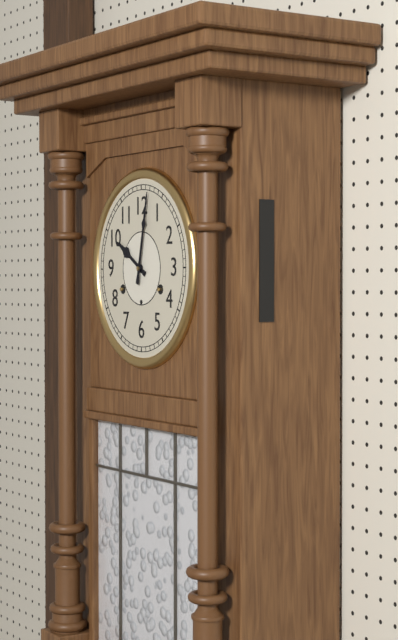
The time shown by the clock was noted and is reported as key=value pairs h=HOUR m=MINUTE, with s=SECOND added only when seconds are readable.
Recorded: h=10 m=2
